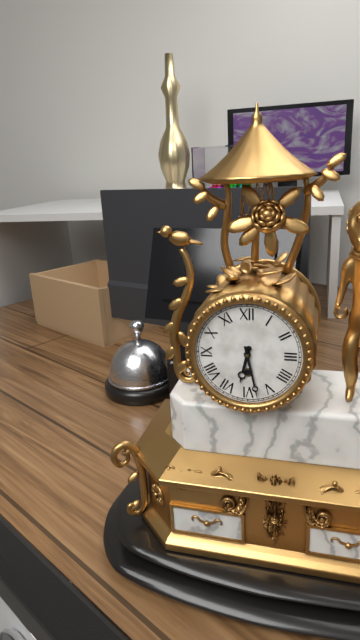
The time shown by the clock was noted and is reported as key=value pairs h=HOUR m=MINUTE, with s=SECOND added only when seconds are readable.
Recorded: h=6 m=28
